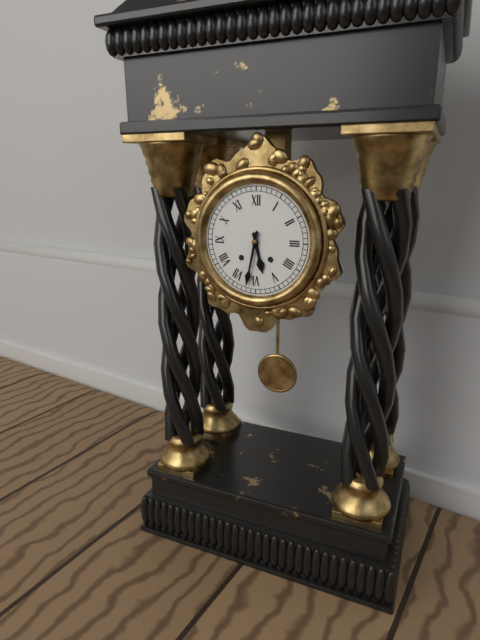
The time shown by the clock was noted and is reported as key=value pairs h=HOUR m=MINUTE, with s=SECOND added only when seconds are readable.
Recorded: h=5 m=32
